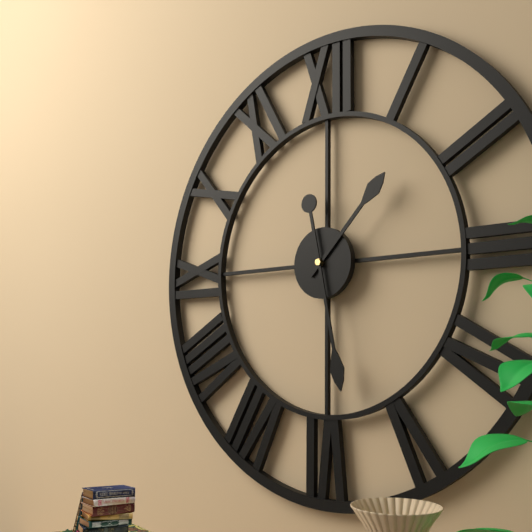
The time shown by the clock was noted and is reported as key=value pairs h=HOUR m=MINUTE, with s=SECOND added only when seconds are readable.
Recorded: h=1 m=28
